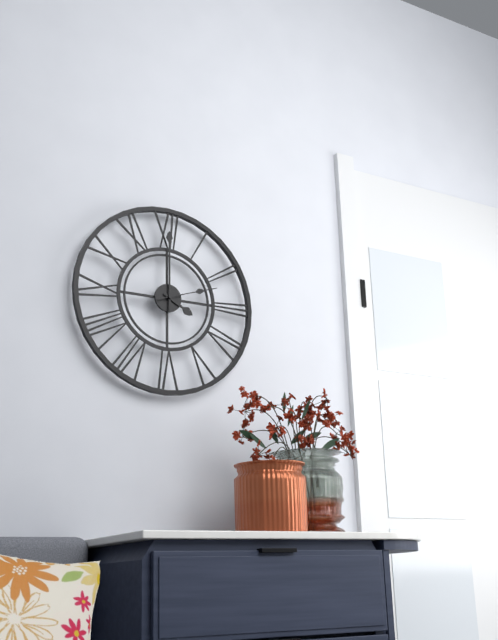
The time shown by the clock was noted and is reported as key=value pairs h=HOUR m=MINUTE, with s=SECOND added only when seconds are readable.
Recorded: h=4 m=0 s=12
